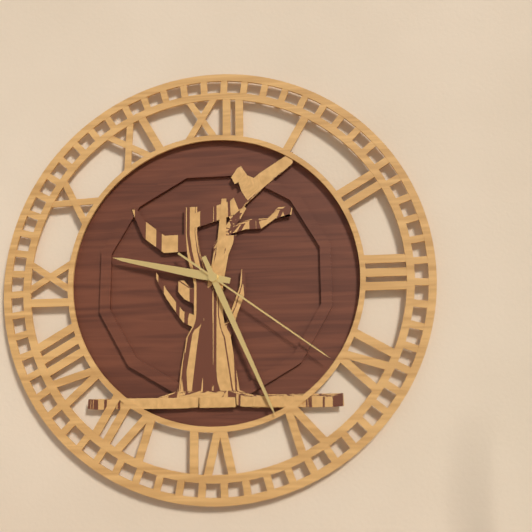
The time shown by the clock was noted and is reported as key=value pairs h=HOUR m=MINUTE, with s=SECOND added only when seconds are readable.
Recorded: h=9 m=26 s=21
